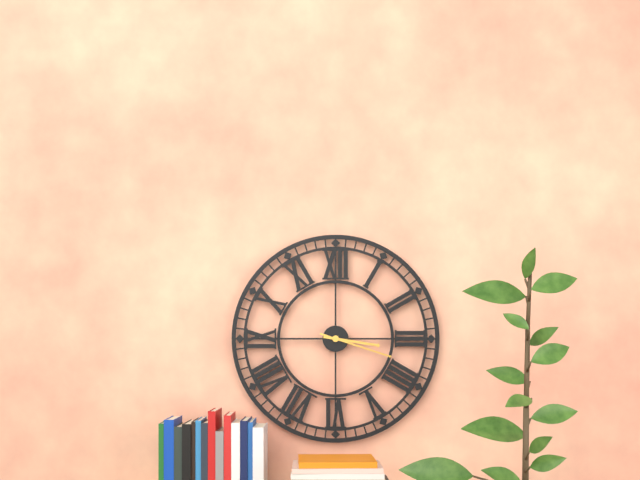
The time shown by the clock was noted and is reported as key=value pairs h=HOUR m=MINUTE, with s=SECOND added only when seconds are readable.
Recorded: h=3 m=18
